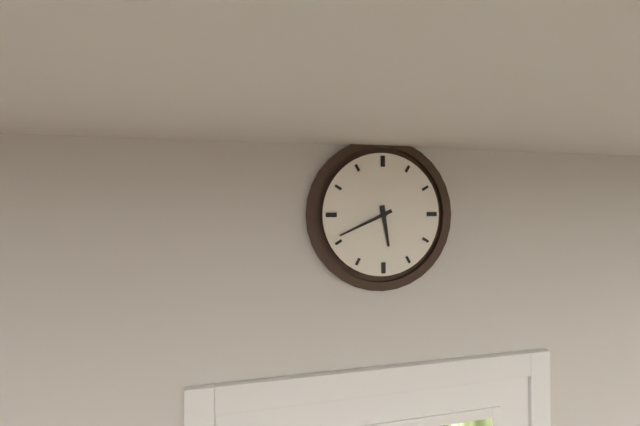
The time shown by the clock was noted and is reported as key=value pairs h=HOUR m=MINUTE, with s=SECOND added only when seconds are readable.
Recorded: h=5 m=41
